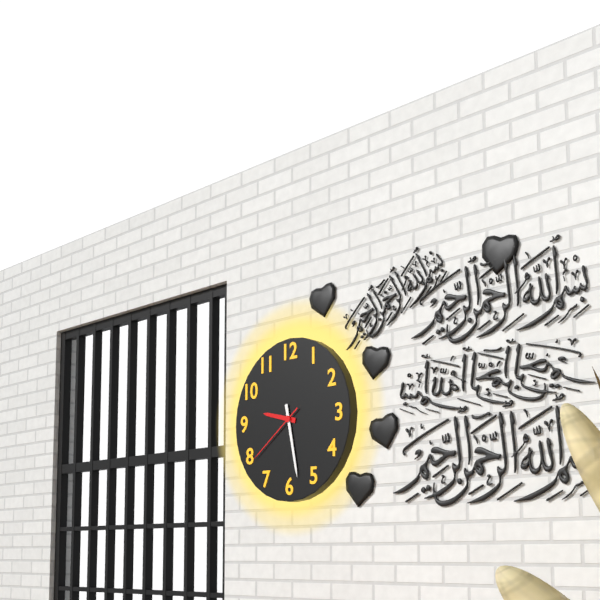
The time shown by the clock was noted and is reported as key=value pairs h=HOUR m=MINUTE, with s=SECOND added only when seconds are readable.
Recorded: h=9 m=28 s=39
